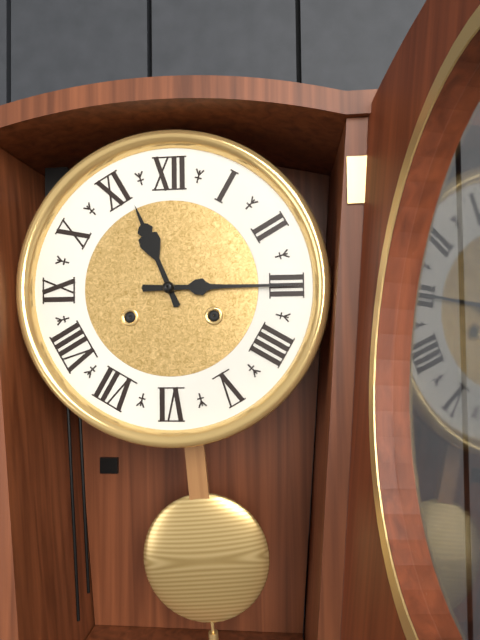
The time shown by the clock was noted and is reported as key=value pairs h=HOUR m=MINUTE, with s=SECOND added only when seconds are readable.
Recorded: h=11 m=15
